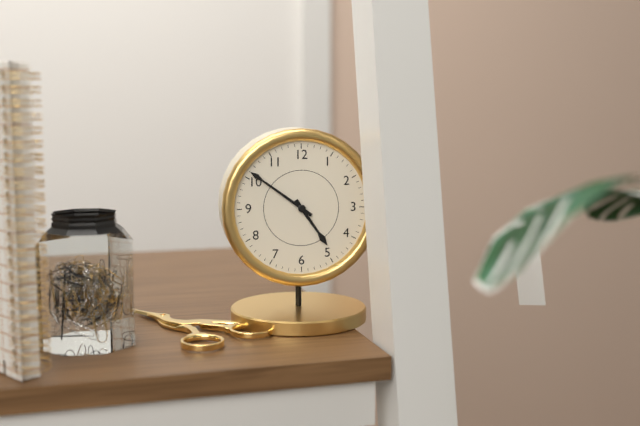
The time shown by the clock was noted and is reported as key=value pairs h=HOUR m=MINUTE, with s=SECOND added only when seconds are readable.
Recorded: h=4 m=51
